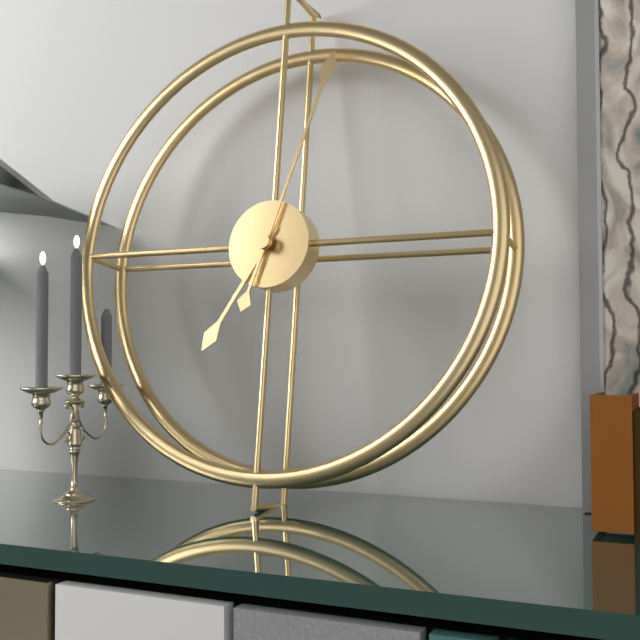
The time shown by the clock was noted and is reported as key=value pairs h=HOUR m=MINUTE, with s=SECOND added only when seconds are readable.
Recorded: h=7 m=3
